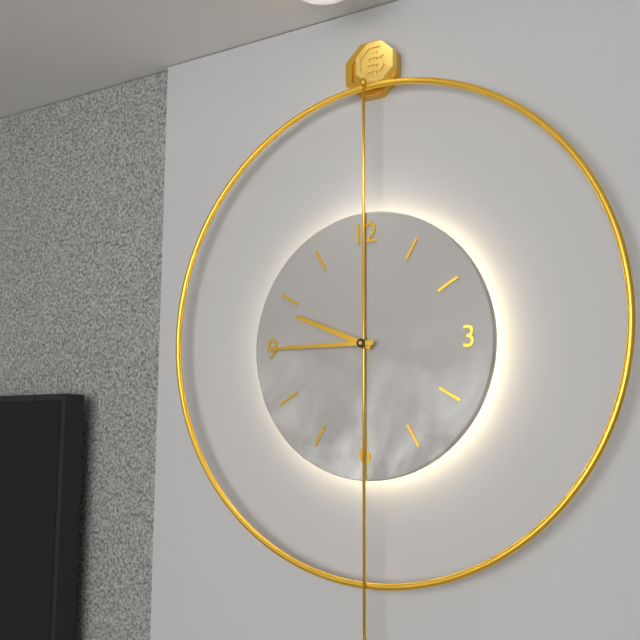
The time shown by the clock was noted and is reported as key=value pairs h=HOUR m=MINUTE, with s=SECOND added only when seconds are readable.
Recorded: h=9 m=45
